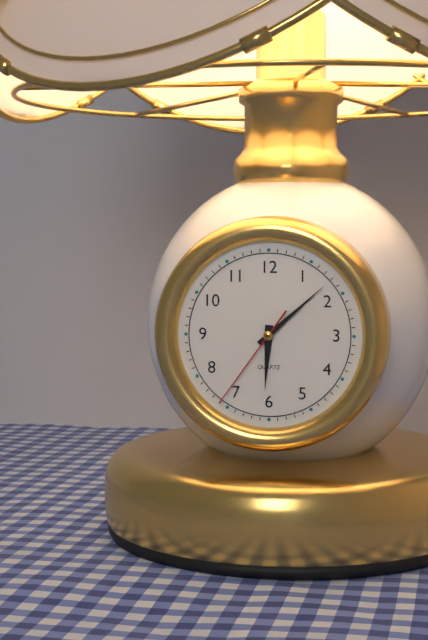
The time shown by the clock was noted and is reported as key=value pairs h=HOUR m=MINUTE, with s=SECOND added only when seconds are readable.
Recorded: h=6 m=8 s=36
